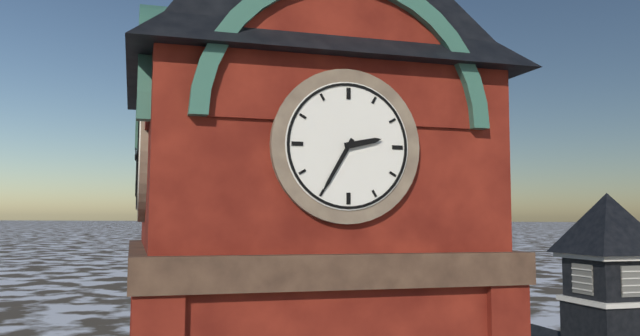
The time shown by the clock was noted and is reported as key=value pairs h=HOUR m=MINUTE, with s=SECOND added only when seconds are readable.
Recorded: h=2 m=35
